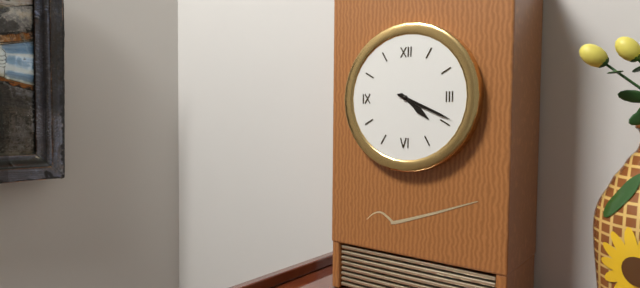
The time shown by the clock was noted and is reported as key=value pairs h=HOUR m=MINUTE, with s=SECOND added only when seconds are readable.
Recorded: h=4 m=19
